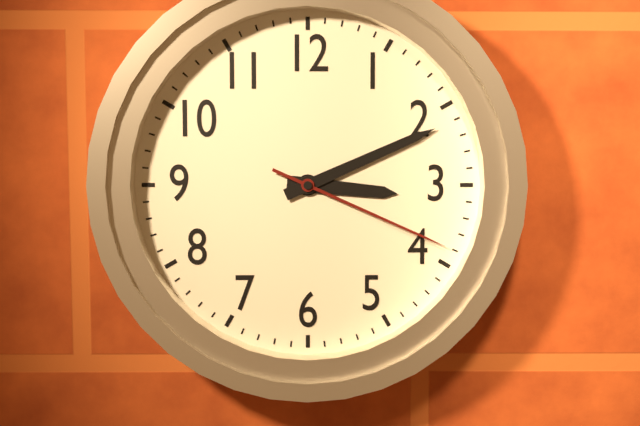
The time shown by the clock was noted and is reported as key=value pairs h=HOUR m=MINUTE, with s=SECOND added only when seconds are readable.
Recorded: h=3 m=11 s=19
